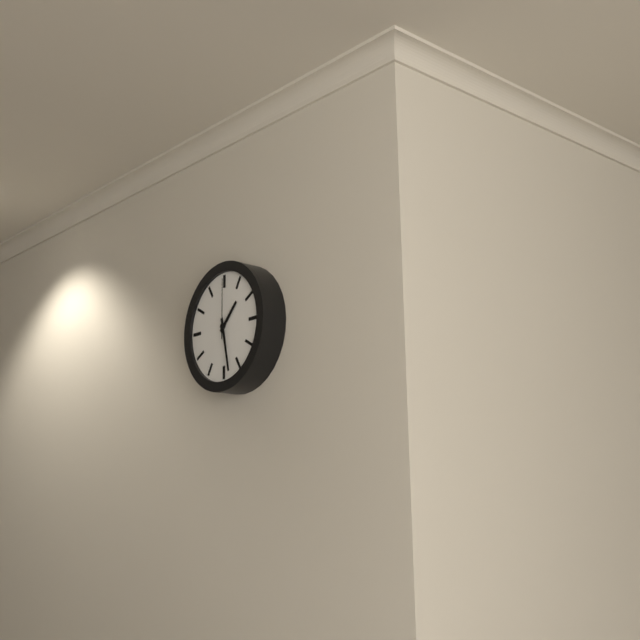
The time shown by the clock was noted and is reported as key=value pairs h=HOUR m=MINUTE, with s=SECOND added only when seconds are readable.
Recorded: h=1 m=28 s=0
